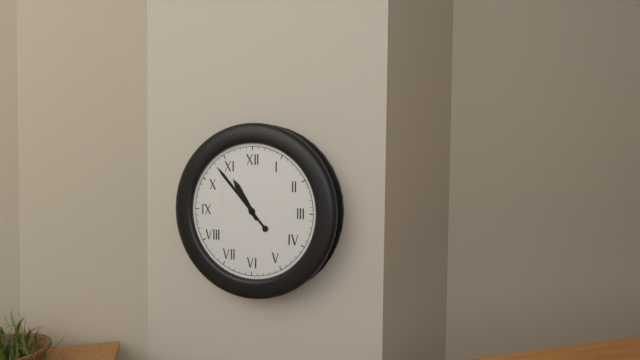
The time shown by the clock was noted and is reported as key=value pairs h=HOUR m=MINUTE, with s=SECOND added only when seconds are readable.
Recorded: h=10 m=53
